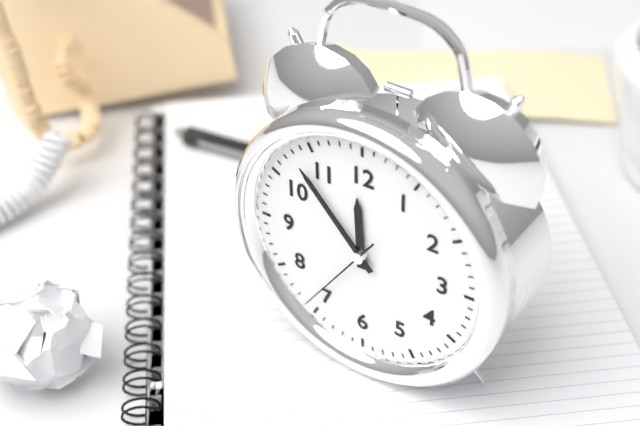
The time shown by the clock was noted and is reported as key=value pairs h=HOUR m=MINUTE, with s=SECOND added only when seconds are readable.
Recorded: h=11 m=53 s=36
